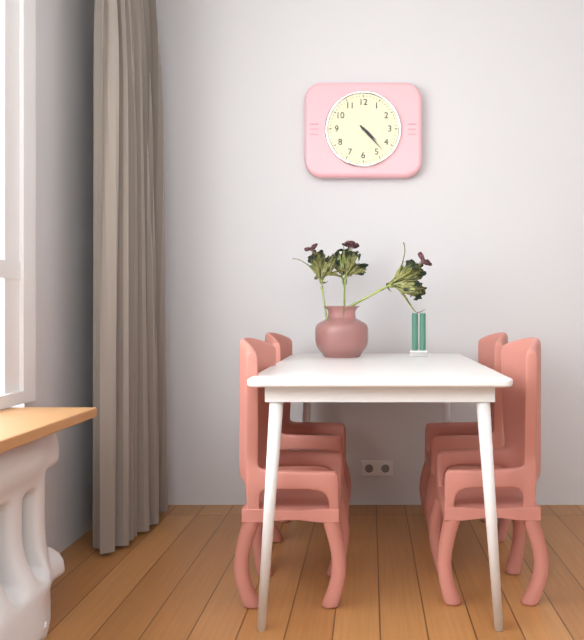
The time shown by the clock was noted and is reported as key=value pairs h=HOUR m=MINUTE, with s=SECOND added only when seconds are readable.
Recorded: h=4 m=23
